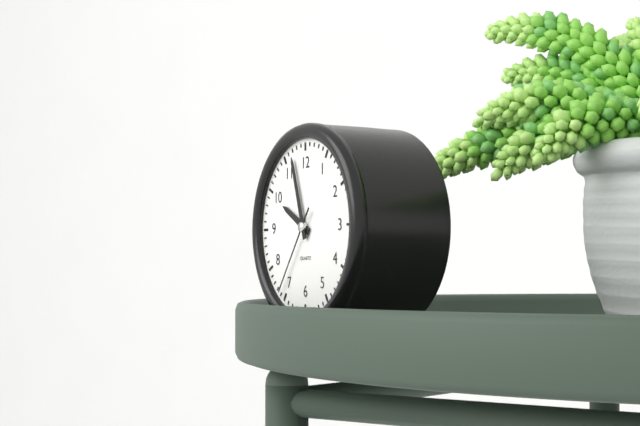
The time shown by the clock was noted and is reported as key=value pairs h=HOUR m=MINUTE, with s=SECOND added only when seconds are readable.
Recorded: h=9 m=57 s=36
